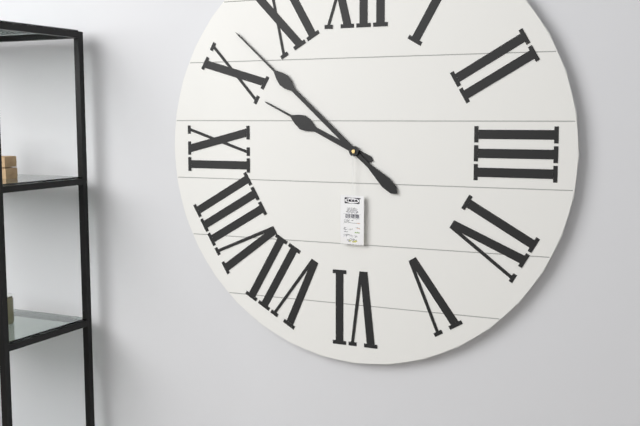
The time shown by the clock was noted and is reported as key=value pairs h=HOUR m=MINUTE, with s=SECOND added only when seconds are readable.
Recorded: h=9 m=52
